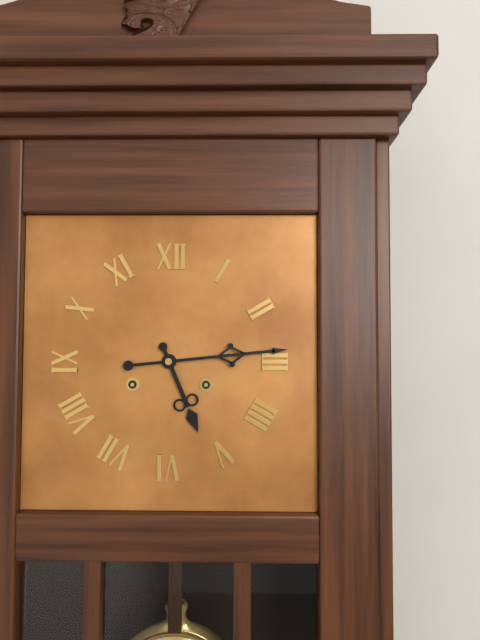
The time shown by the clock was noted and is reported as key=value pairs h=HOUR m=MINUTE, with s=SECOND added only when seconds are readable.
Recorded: h=5 m=14
